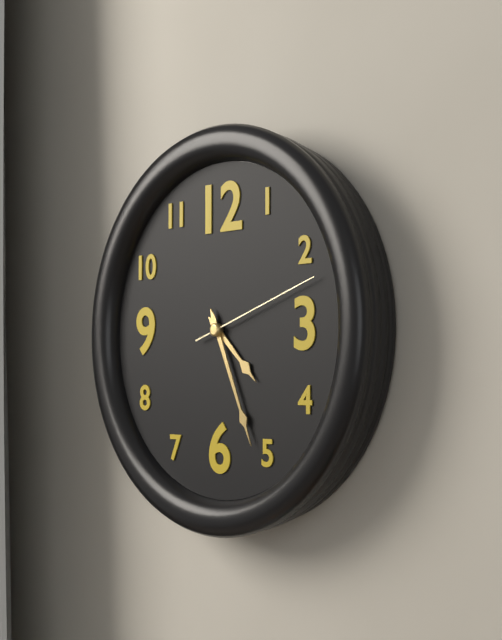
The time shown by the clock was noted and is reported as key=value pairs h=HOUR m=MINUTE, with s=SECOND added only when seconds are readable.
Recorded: h=4 m=26 s=12
